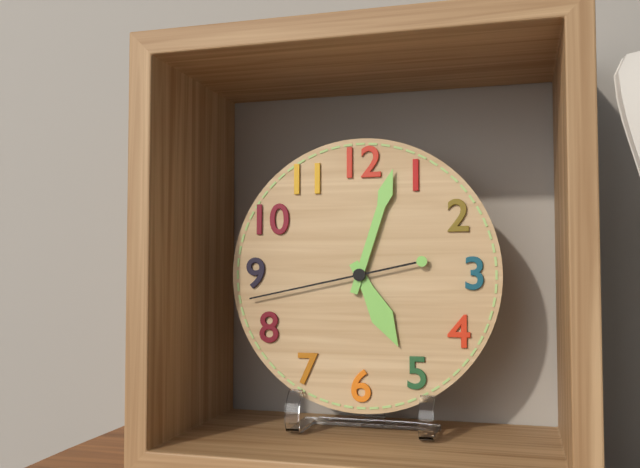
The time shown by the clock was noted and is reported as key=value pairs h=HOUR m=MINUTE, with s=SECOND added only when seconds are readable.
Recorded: h=5 m=3 s=43
